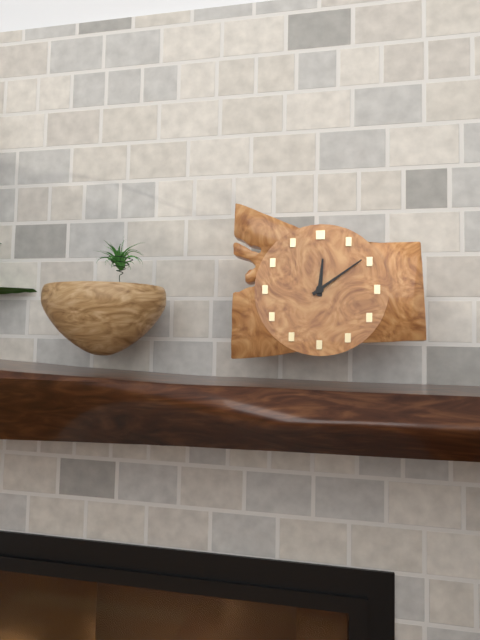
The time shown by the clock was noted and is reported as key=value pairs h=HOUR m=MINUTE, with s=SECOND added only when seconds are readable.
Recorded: h=12 m=9
